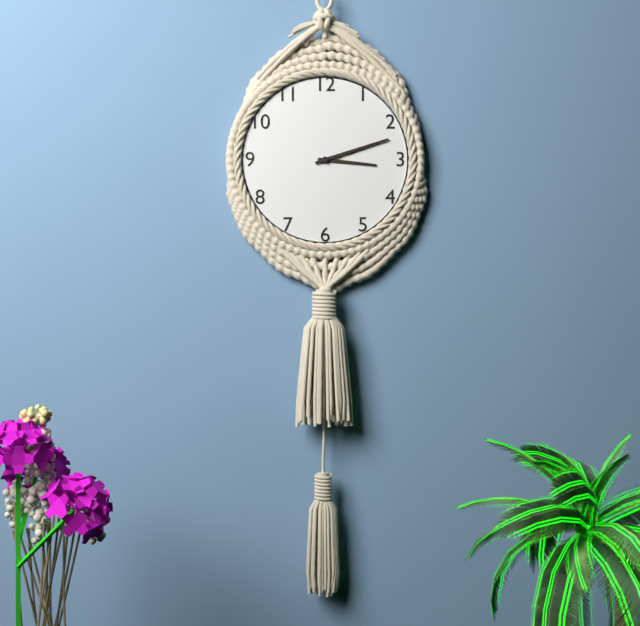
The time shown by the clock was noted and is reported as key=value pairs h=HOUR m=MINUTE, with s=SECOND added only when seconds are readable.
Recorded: h=3 m=12
